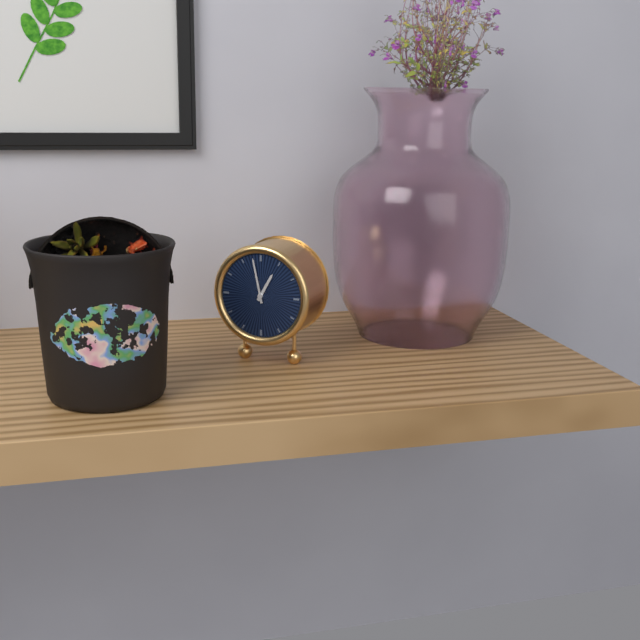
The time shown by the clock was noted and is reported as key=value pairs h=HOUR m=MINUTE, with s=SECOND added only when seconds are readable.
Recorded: h=12 m=58
